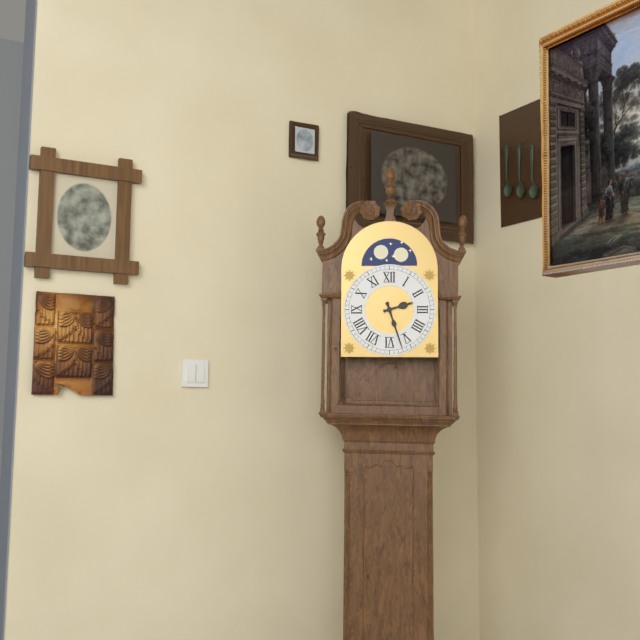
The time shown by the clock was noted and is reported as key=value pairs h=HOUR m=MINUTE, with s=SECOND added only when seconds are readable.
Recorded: h=2 m=27
